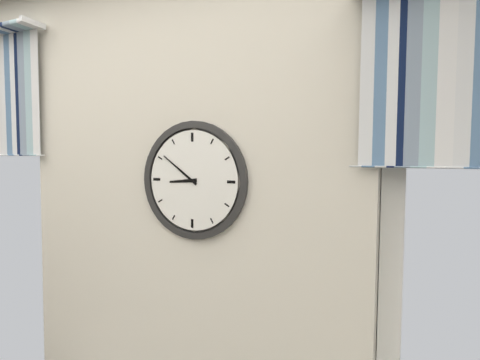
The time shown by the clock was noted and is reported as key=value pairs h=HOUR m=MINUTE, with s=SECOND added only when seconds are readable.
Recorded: h=8 m=51
